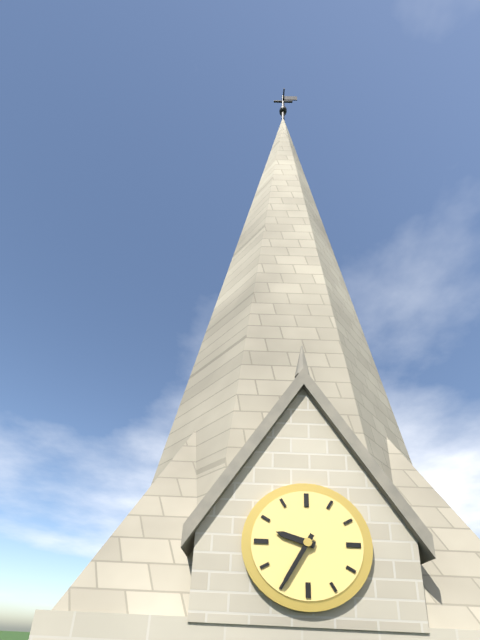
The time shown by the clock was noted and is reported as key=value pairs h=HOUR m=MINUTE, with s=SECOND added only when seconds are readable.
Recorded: h=9 m=35
